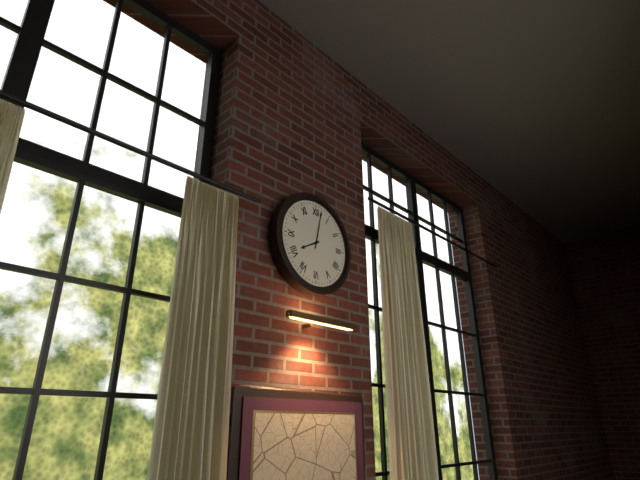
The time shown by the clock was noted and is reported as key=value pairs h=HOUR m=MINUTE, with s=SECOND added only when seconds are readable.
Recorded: h=8 m=2
